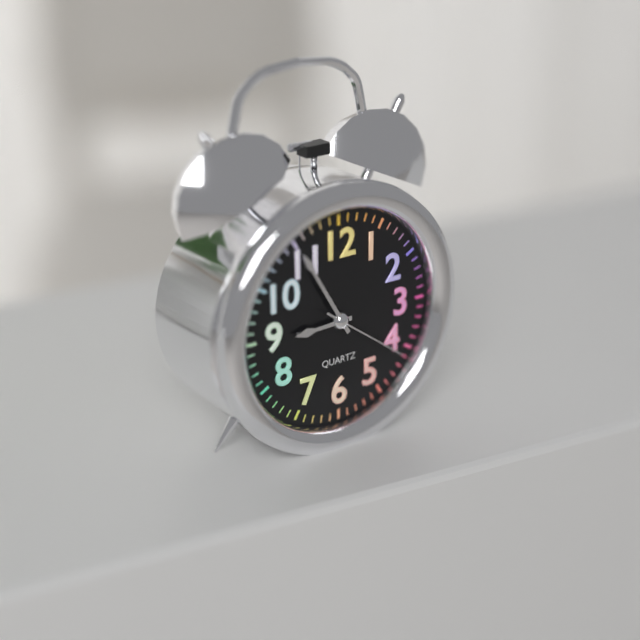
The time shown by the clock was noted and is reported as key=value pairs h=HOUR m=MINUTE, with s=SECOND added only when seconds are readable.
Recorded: h=8 m=55 s=21
